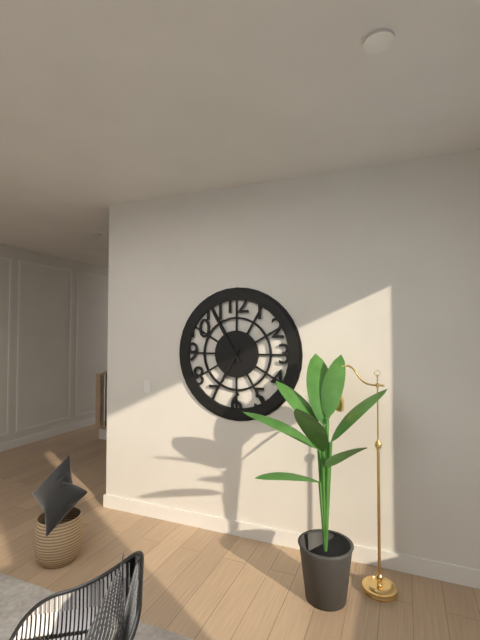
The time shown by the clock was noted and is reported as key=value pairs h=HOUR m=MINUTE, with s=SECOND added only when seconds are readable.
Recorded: h=6 m=55
